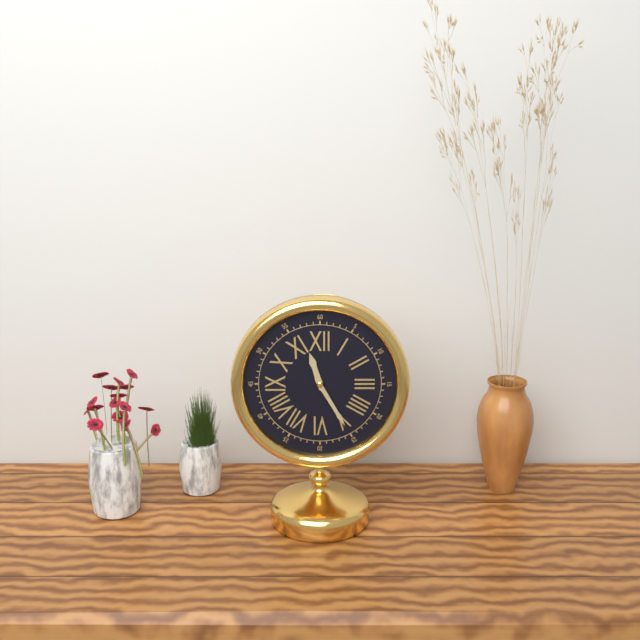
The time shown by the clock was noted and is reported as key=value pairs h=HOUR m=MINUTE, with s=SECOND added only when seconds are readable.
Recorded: h=11 m=25
